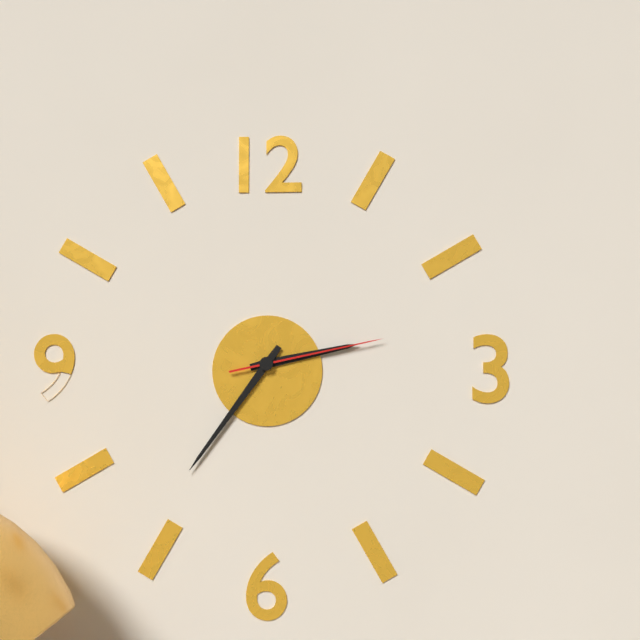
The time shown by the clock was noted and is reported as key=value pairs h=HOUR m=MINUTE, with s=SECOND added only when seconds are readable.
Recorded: h=2 m=36 s=13
